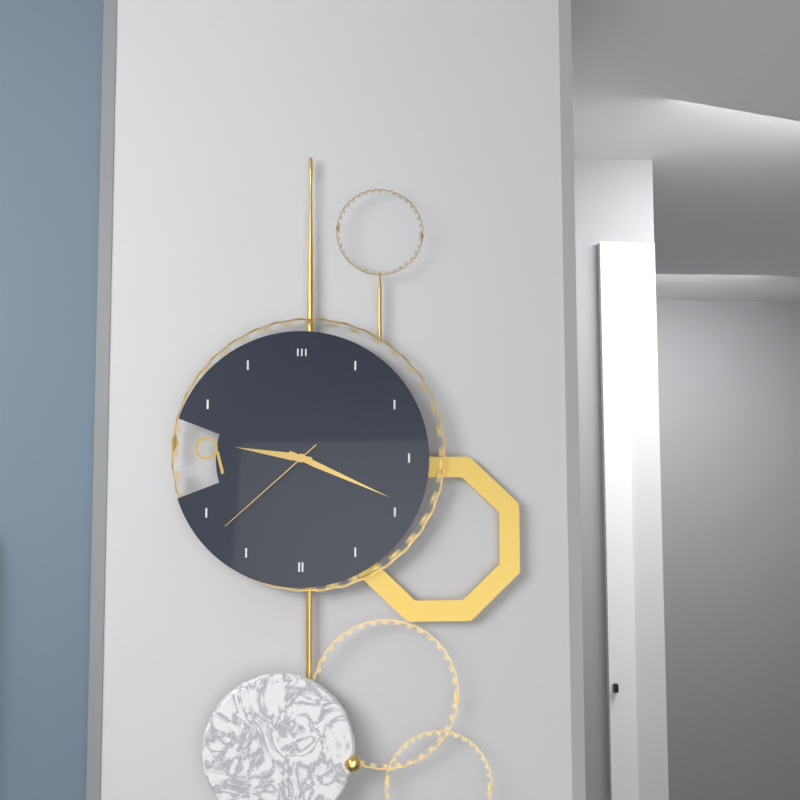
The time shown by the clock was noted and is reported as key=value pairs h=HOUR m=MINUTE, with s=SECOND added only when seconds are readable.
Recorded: h=9 m=19 s=38
